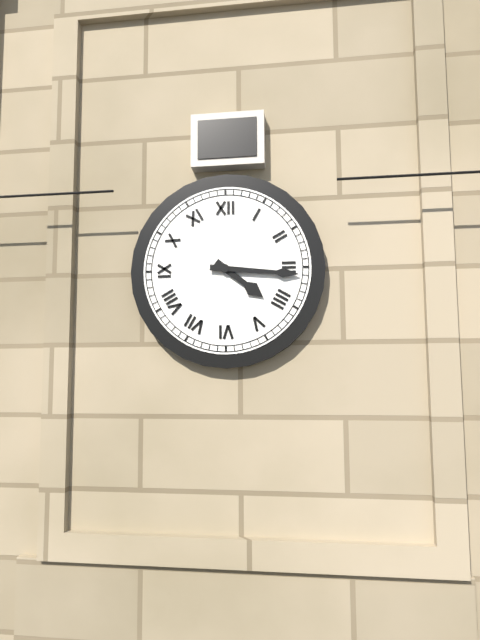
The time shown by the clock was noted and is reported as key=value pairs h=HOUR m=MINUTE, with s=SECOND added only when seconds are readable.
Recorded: h=4 m=16
